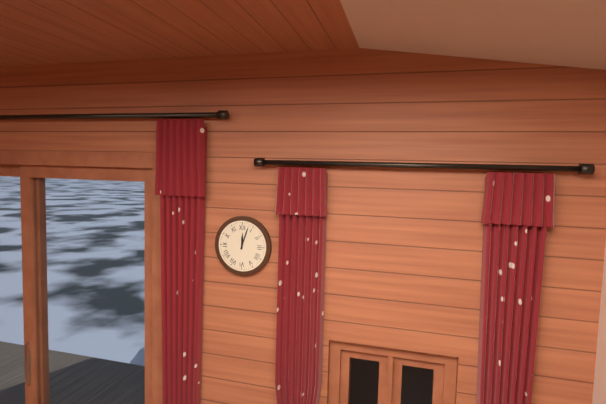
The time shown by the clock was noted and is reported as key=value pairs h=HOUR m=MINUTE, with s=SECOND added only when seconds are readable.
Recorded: h=12 m=3
